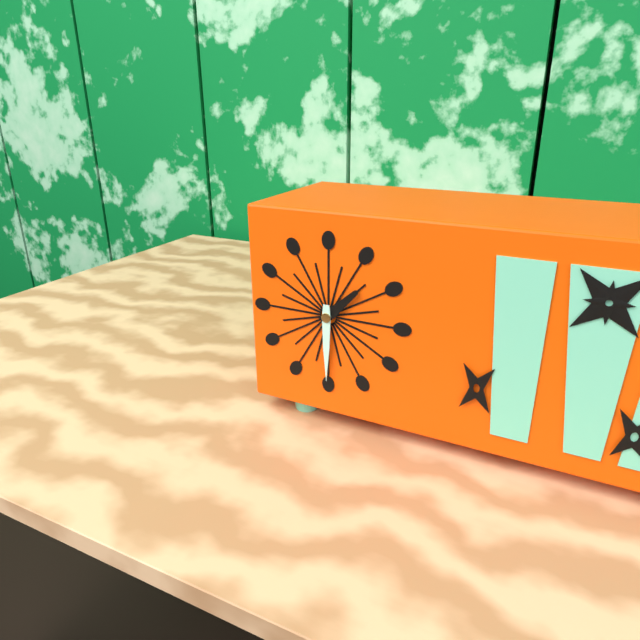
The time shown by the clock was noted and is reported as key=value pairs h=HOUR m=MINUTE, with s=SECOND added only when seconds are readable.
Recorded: h=1 m=30
